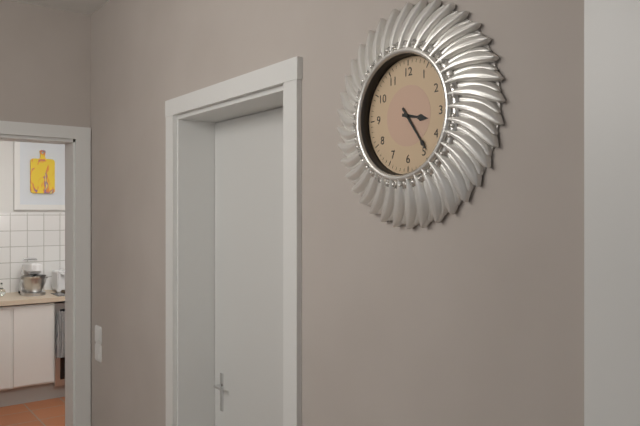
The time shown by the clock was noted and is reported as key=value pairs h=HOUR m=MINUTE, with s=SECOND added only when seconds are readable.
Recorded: h=3 m=24
